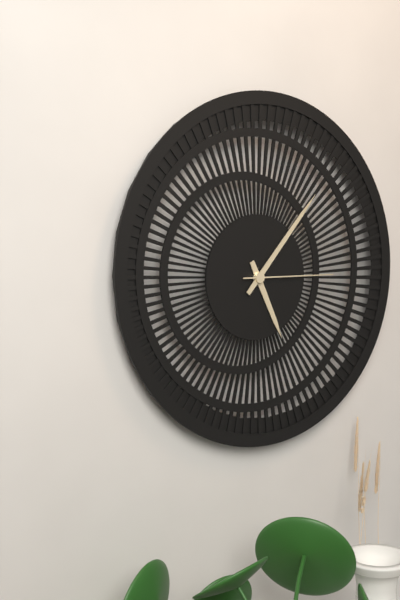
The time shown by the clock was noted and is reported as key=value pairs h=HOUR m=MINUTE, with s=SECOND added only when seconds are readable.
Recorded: h=5 m=7 s=15
